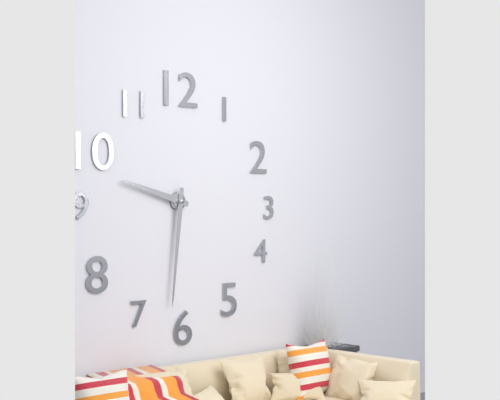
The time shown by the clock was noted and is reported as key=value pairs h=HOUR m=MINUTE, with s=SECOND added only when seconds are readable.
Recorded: h=9 m=31
